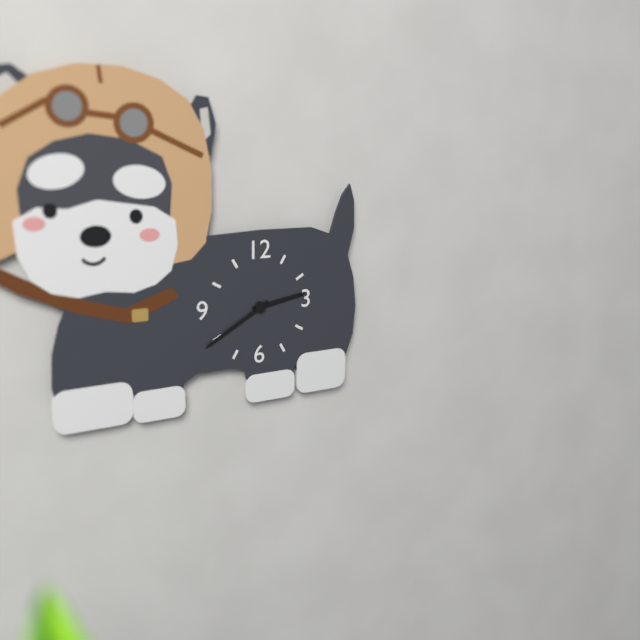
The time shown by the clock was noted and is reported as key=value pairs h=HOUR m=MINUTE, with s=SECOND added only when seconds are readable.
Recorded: h=2 m=40
